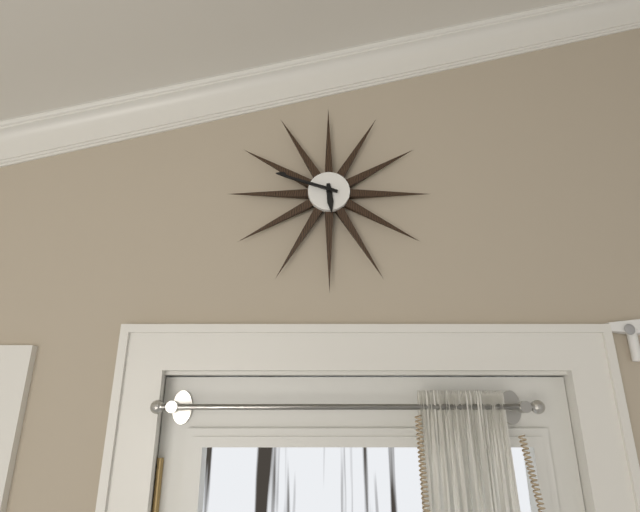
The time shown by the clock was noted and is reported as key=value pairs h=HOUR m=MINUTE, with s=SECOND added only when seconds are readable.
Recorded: h=5 m=48
